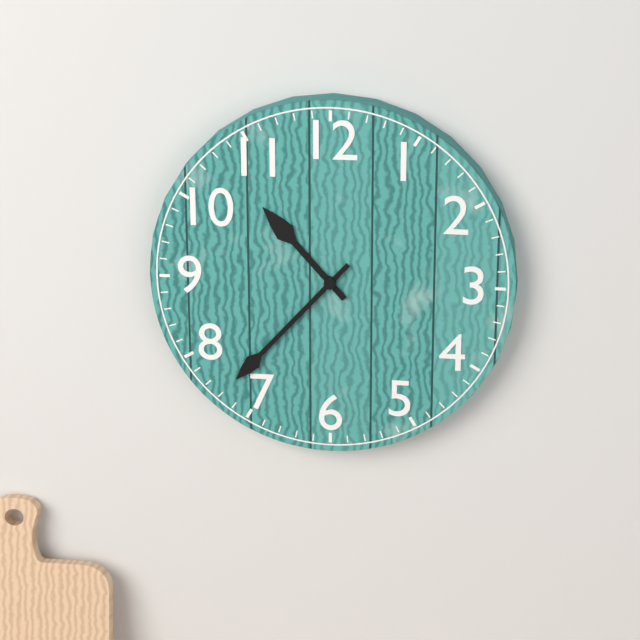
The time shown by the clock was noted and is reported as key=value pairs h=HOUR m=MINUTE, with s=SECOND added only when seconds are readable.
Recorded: h=10 m=37
